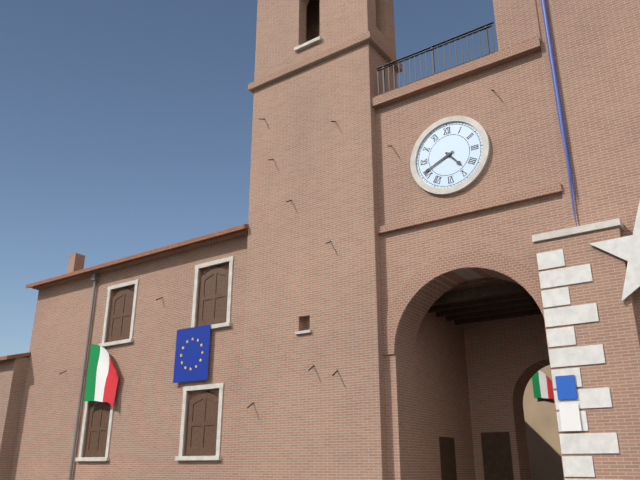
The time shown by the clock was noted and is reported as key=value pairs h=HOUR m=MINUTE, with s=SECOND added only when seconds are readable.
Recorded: h=4 m=41
